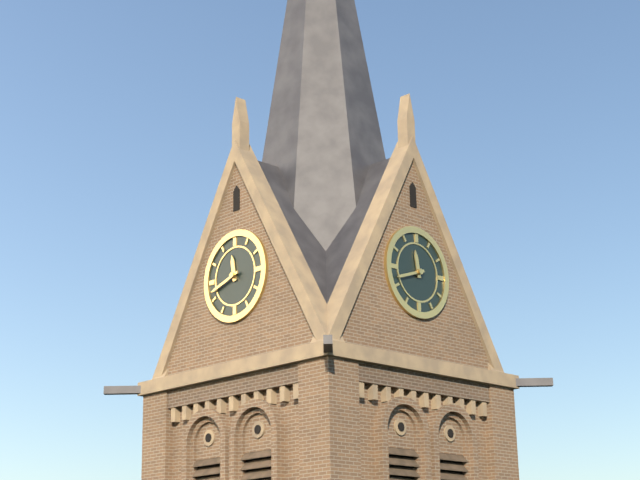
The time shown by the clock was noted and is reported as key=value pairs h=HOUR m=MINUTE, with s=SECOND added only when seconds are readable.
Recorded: h=11 m=42
